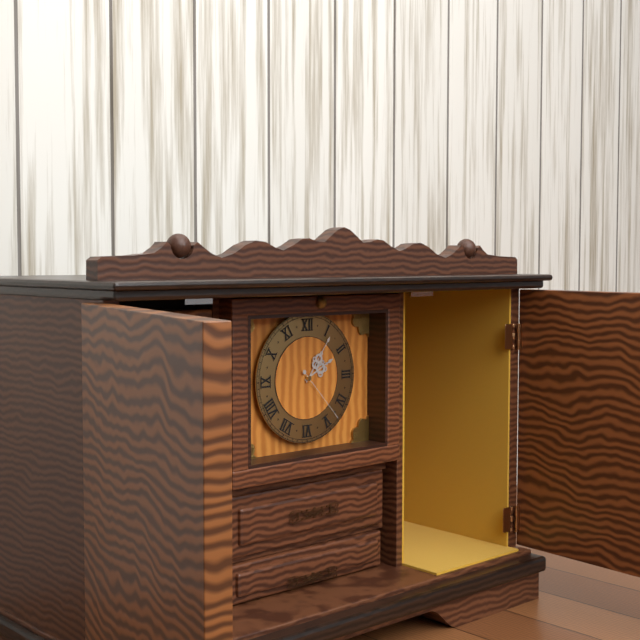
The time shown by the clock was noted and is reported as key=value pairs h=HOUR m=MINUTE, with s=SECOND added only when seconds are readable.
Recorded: h=2 m=6 s=23
